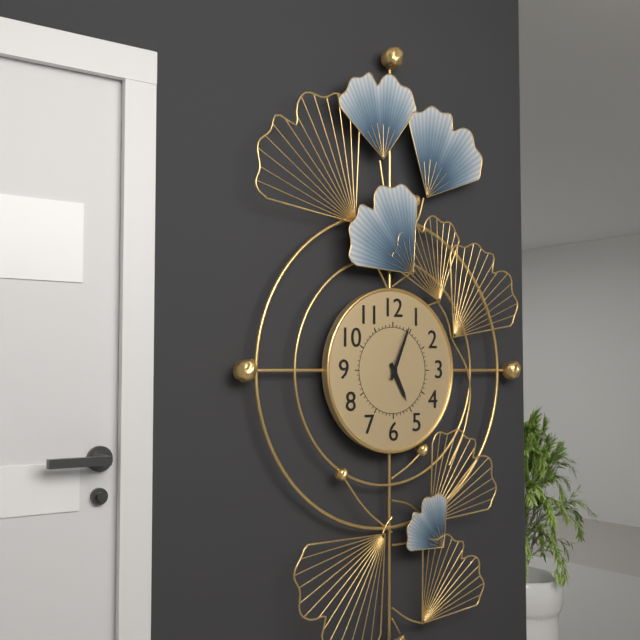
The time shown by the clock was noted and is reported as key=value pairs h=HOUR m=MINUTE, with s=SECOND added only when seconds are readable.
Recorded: h=5 m=4
